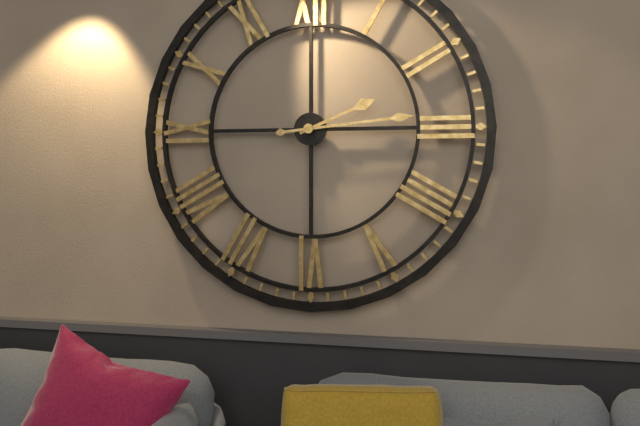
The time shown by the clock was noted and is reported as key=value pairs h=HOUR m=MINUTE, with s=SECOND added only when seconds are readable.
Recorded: h=2 m=14
